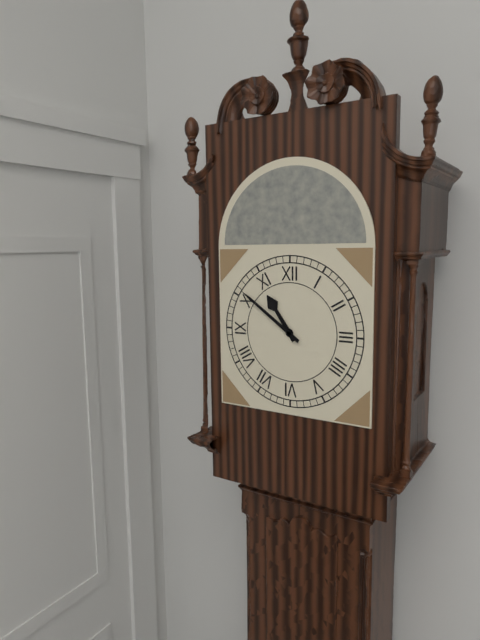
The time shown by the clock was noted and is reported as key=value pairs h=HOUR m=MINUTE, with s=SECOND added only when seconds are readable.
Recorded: h=10 m=51
